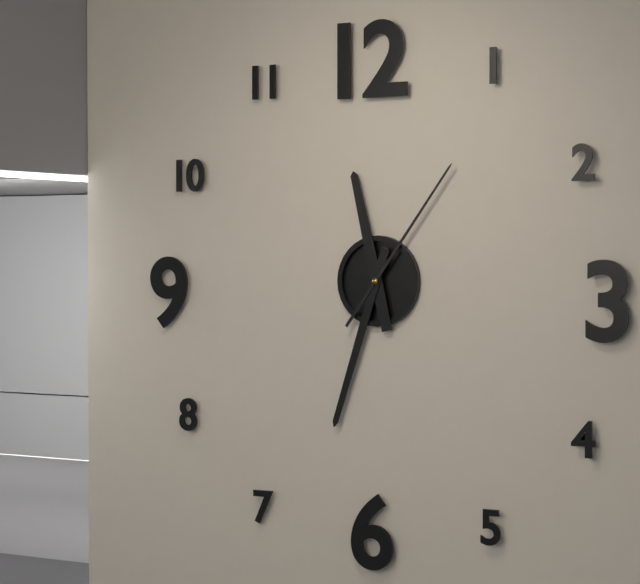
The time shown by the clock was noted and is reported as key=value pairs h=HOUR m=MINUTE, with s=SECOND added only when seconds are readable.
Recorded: h=11 m=33 s=6
